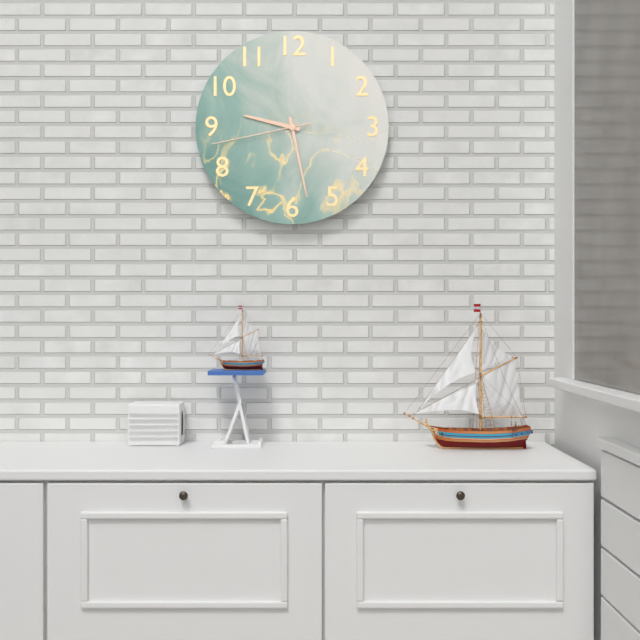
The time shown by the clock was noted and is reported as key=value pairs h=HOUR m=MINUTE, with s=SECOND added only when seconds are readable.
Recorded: h=9 m=28 s=43
